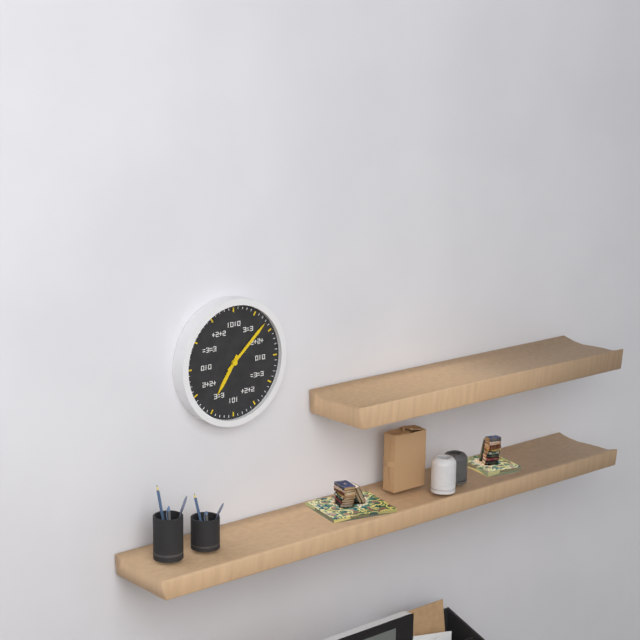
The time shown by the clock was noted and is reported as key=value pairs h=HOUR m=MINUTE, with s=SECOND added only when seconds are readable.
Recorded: h=7 m=8
